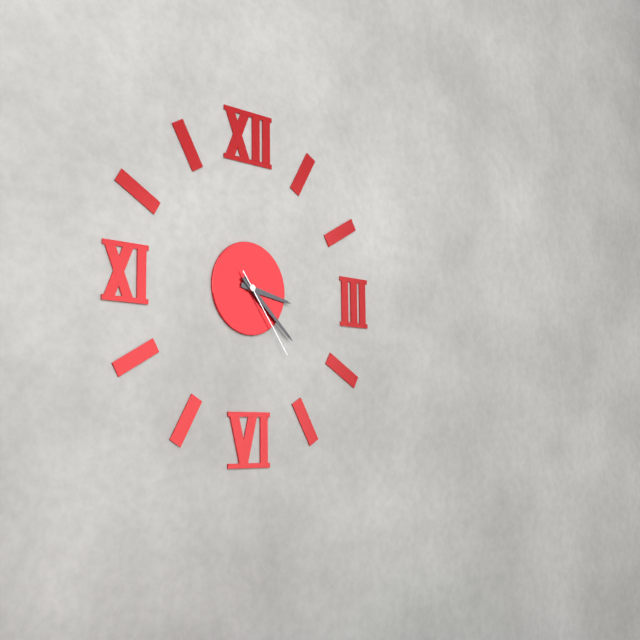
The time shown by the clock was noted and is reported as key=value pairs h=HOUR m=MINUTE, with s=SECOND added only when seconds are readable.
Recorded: h=3 m=22 s=24
